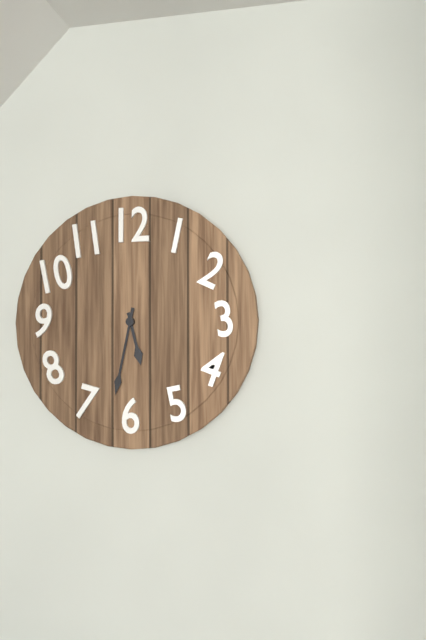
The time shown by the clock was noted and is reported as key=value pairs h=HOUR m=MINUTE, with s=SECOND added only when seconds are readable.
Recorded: h=5 m=32
